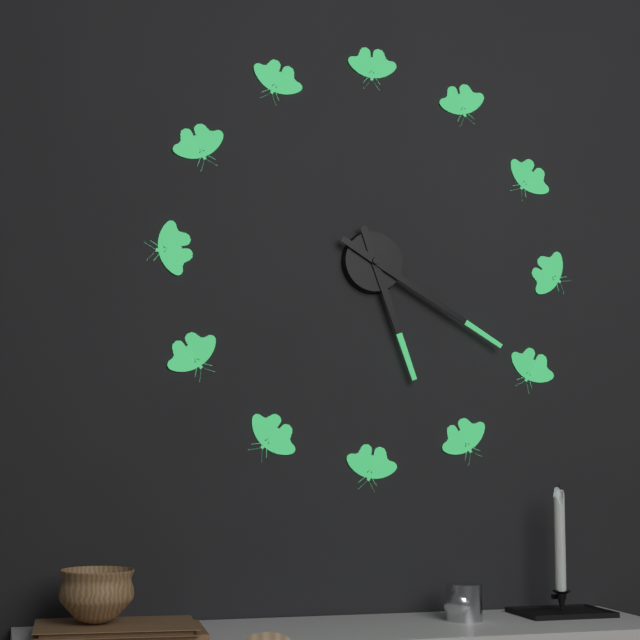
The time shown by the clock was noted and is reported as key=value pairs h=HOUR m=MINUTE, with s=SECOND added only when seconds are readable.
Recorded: h=5 m=20
